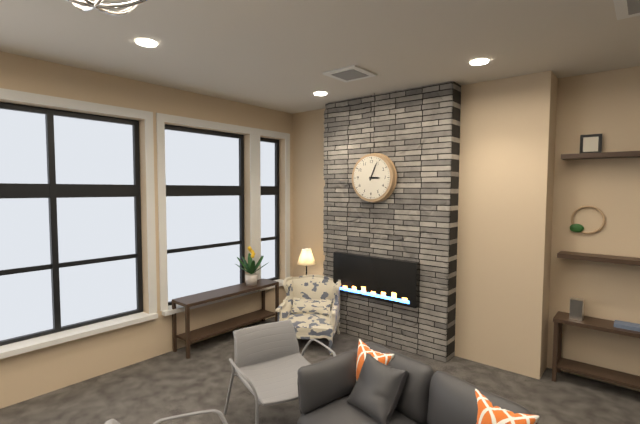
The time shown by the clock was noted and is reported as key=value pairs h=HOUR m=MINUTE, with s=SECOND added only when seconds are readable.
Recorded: h=3 m=4
